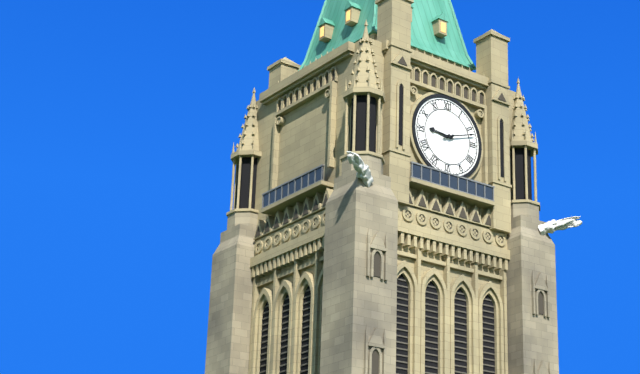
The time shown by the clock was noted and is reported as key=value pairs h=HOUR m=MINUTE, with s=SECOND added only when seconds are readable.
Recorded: h=9 m=12
